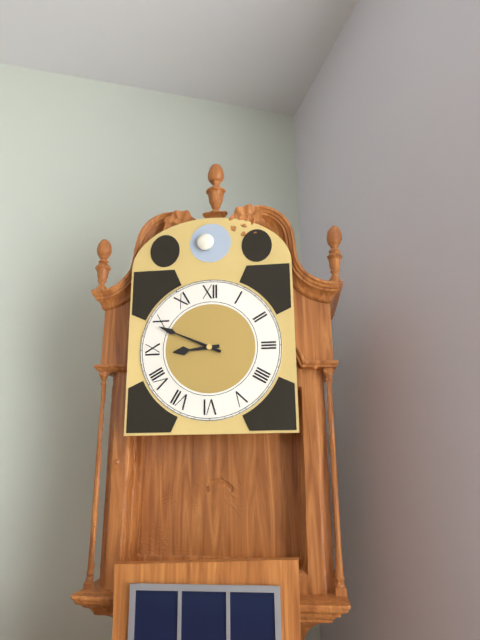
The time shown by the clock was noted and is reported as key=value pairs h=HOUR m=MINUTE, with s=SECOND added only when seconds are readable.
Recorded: h=8 m=49
